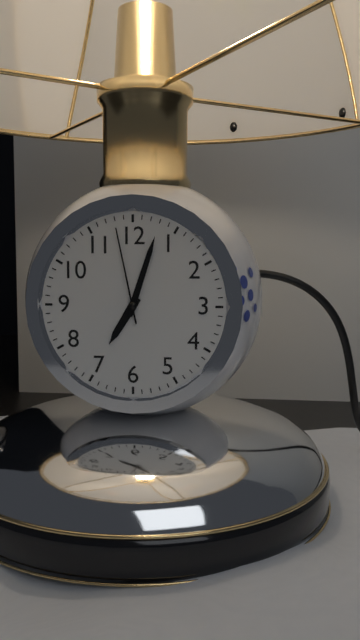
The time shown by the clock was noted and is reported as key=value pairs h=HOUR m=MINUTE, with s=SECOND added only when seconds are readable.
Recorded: h=7 m=3 s=58
